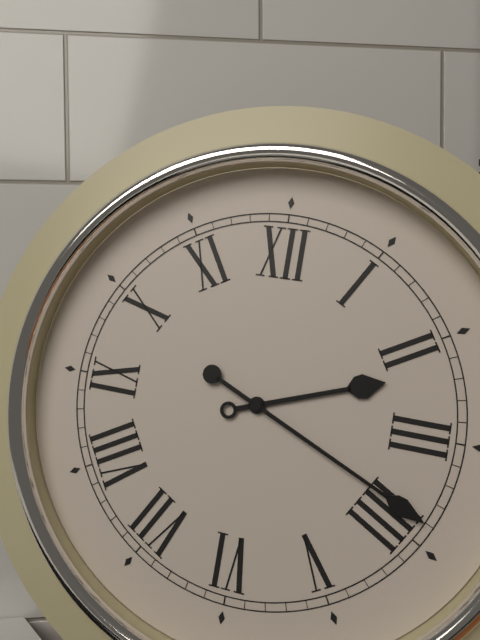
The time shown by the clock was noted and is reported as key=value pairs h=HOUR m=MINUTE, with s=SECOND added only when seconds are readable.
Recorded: h=2 m=19
